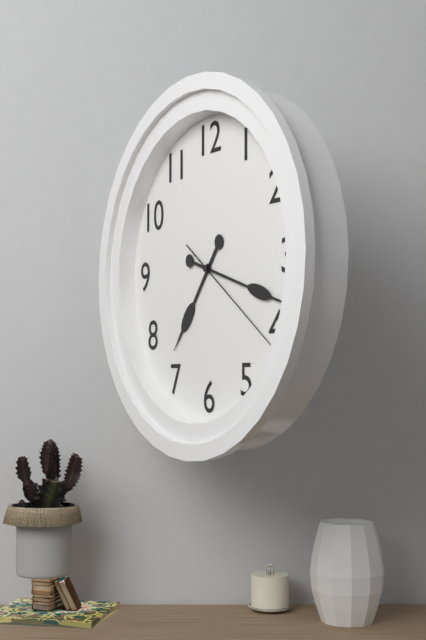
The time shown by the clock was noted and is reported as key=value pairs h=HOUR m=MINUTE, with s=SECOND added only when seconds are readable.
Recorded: h=7 m=18 s=21
